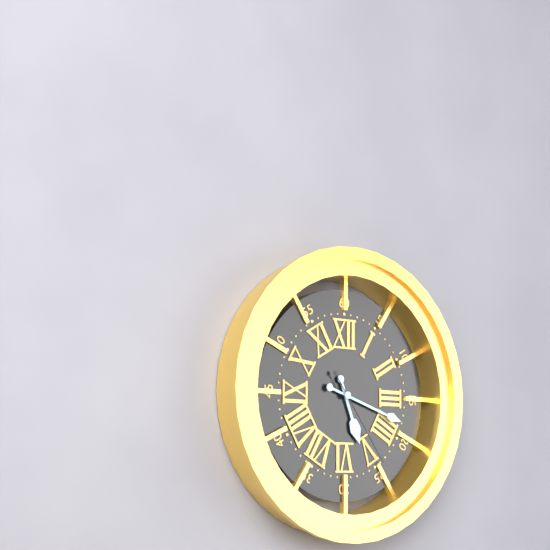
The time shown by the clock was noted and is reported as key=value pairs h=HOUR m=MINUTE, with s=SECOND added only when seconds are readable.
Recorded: h=5 m=18 s=24
